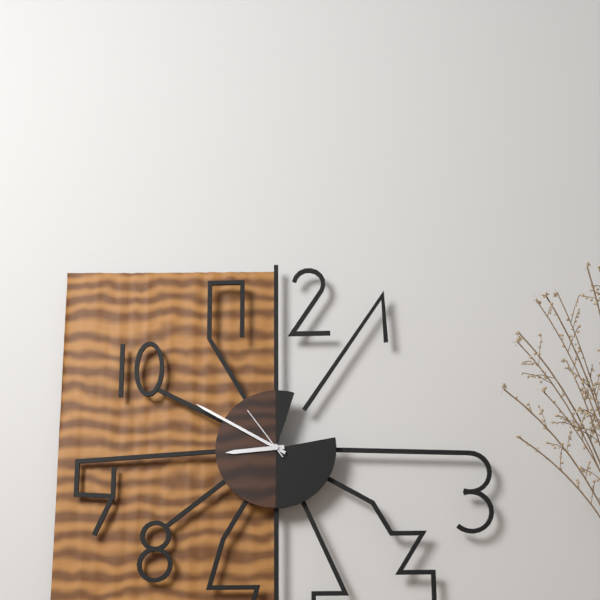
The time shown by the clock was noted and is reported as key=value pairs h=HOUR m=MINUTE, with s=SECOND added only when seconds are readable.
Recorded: h=8 m=50 s=54
